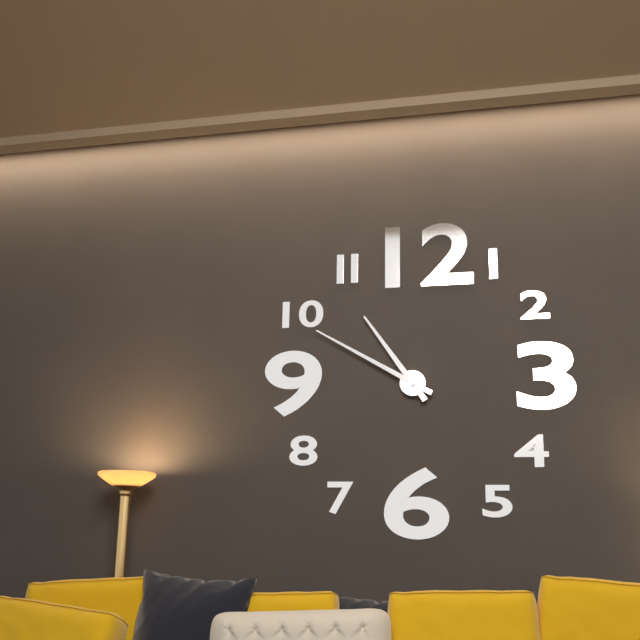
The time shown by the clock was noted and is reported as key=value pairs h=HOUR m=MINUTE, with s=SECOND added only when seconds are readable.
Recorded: h=10 m=50
